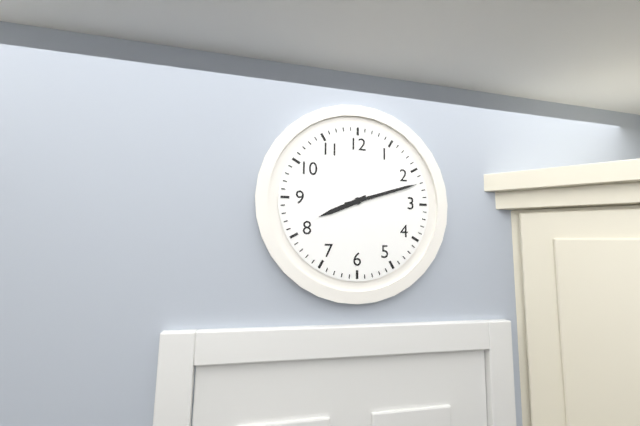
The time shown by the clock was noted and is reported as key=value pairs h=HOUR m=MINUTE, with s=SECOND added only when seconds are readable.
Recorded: h=8 m=12
